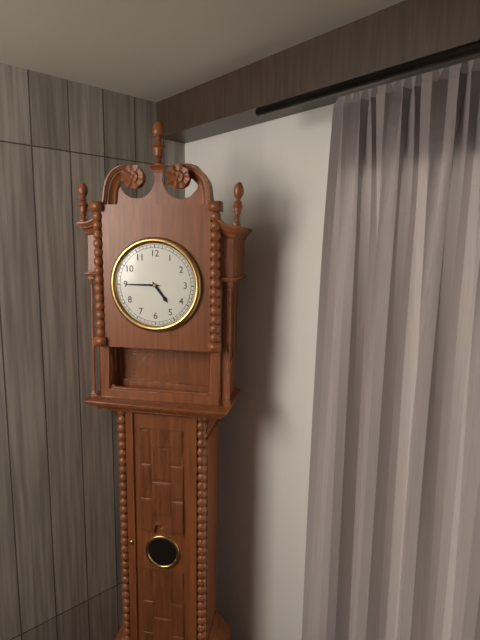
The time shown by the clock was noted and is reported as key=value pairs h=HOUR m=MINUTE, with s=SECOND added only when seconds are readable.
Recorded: h=4 m=45
